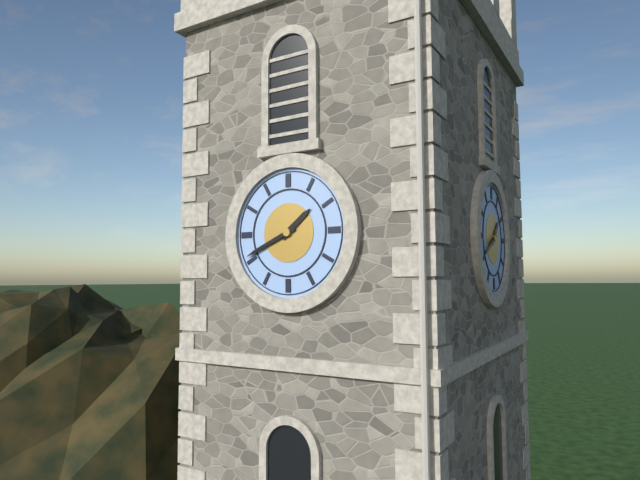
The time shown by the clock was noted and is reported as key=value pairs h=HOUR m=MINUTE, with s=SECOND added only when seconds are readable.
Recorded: h=1 m=41
